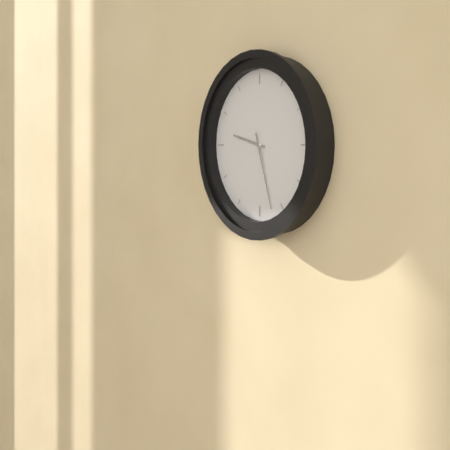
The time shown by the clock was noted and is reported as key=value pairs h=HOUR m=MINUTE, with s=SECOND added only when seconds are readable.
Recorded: h=9 m=27
